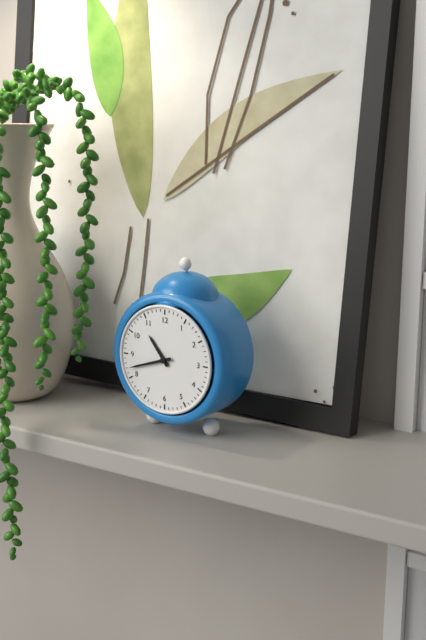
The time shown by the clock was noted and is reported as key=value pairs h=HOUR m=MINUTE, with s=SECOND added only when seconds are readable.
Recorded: h=10 m=42
